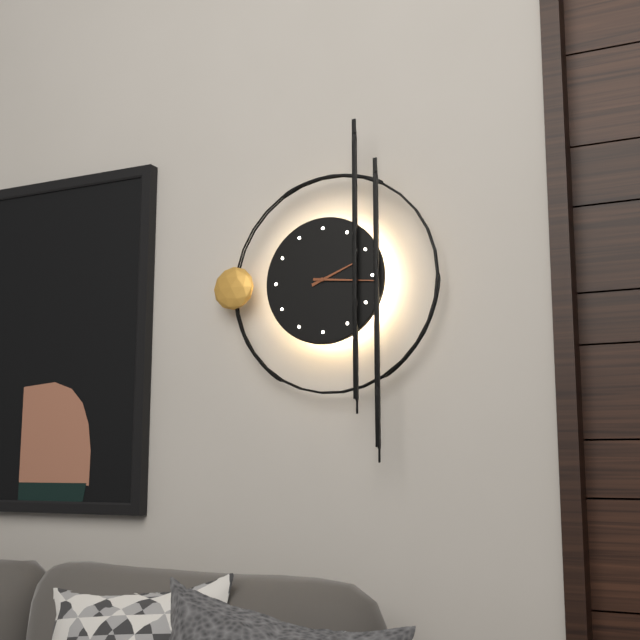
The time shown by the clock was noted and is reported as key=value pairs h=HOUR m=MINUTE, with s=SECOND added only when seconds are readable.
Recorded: h=2 m=16
